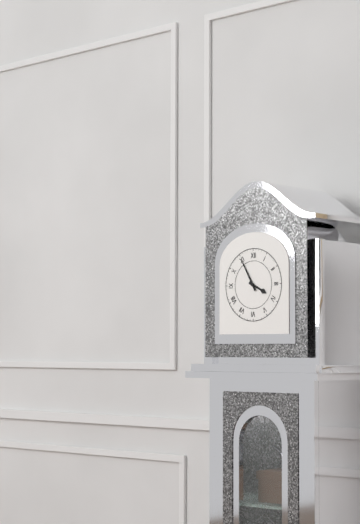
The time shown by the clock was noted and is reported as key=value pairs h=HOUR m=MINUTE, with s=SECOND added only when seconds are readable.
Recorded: h=3 m=55
